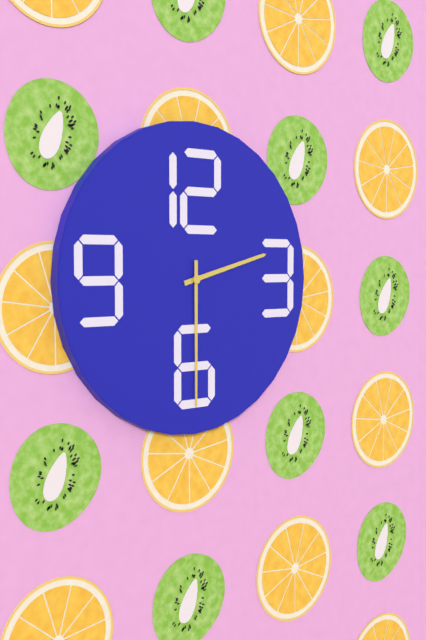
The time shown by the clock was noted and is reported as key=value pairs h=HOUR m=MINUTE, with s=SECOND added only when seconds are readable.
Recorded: h=2 m=30
